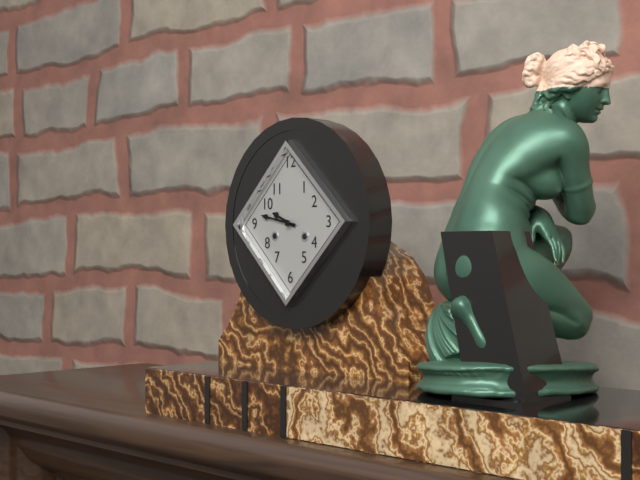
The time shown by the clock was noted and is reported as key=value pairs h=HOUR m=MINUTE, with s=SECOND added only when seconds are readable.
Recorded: h=9 m=47
